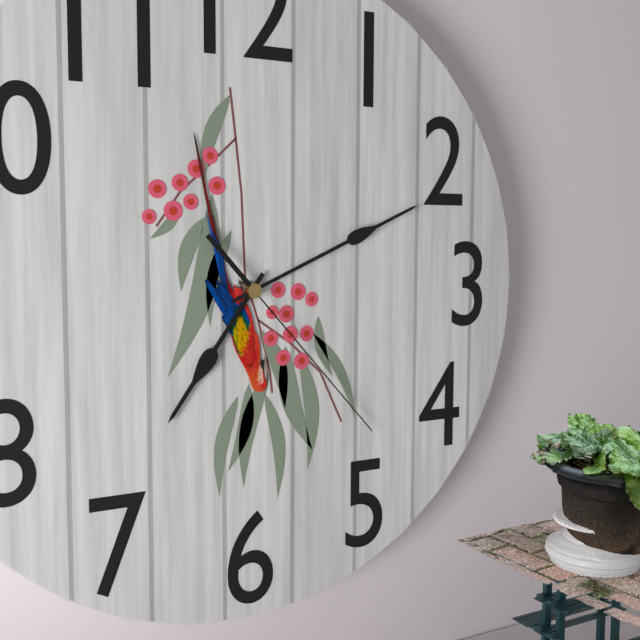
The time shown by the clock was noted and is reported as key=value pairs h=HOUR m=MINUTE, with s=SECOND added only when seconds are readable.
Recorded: h=7 m=11 s=23
